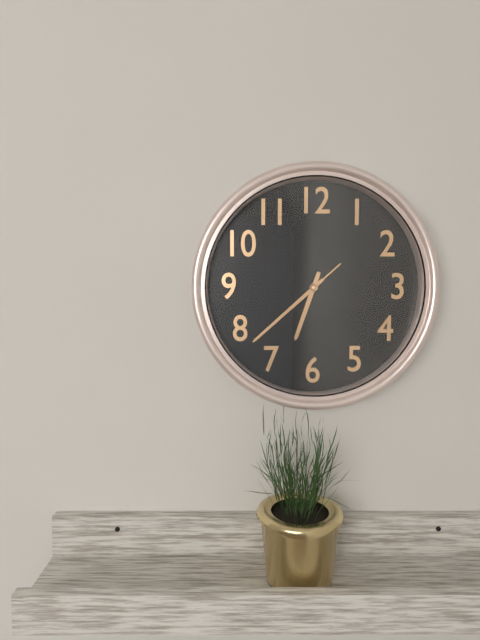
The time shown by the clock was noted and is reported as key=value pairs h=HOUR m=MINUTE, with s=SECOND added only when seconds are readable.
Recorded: h=6 m=38 s=38
